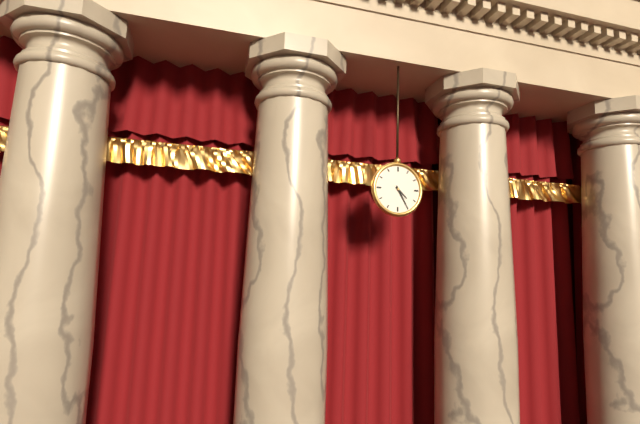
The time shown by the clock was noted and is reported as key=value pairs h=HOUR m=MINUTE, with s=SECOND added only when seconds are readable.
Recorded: h=4 m=25
